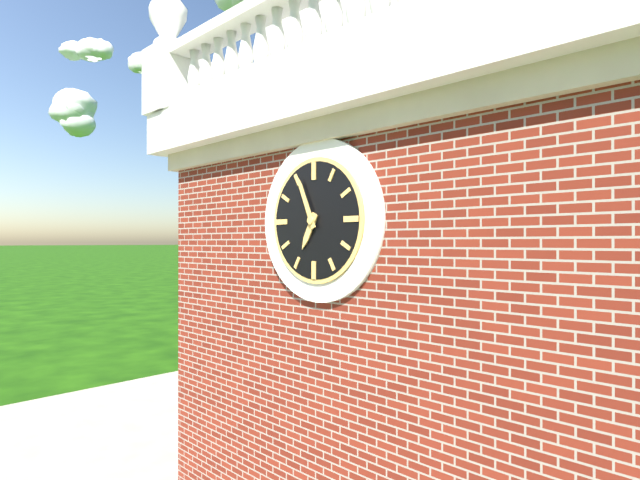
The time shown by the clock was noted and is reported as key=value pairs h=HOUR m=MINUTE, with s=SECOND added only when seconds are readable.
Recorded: h=6 m=56
